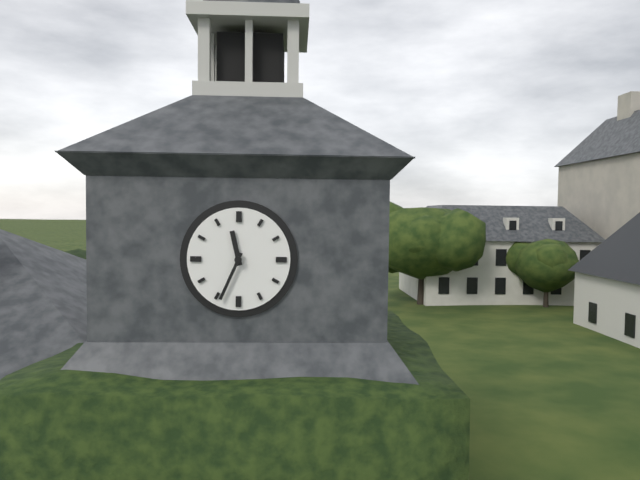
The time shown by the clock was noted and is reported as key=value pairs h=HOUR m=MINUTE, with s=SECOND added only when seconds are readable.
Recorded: h=11 m=34
